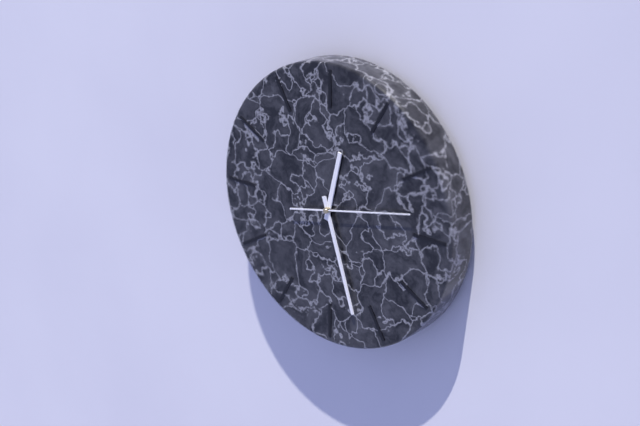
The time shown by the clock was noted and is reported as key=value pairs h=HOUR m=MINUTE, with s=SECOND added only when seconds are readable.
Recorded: h=12 m=27 s=13
